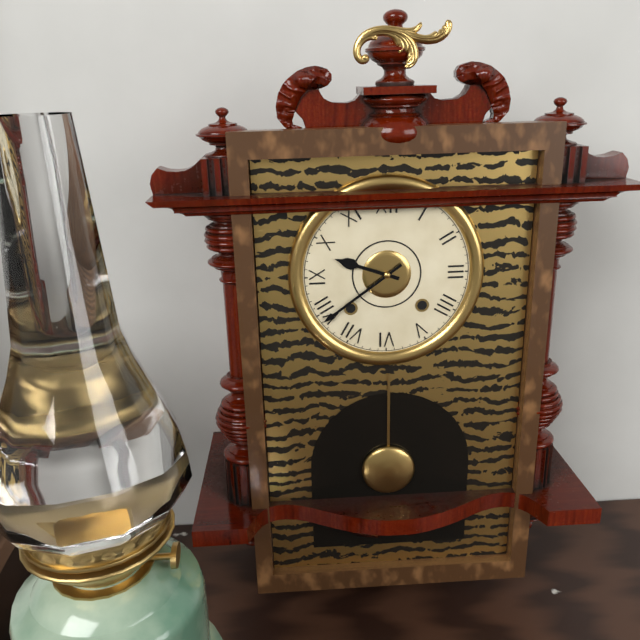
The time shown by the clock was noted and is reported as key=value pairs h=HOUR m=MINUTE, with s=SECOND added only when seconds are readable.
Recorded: h=9 m=39
